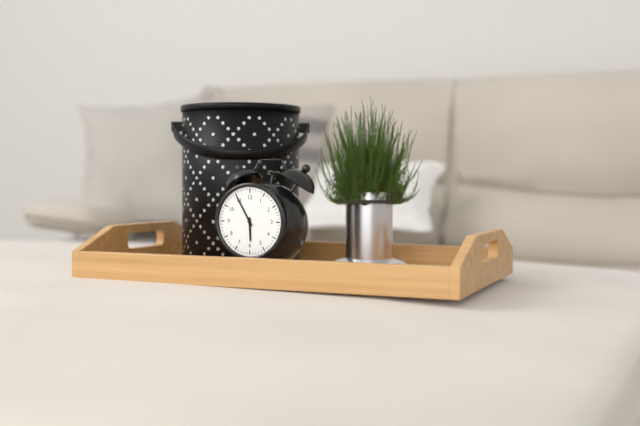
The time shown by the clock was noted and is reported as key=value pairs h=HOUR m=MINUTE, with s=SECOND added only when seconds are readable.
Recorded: h=5 m=55
